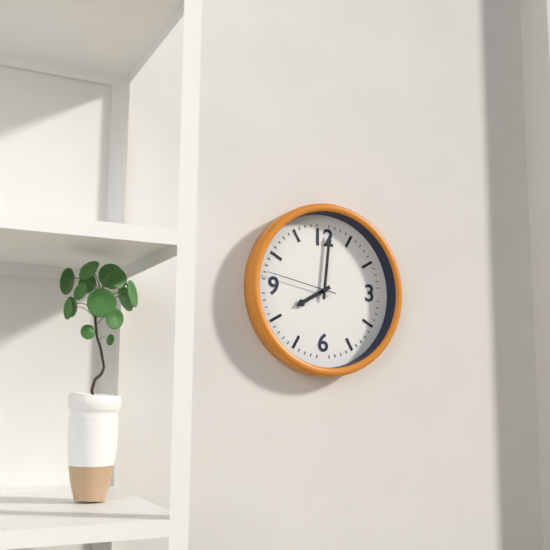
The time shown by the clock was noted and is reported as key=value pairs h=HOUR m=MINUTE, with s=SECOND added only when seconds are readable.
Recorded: h=8 m=1 s=47
